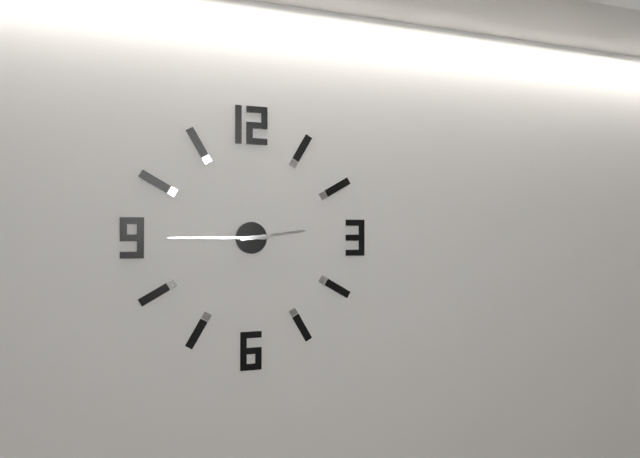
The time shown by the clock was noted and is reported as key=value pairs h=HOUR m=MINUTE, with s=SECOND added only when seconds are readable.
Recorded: h=2 m=45
